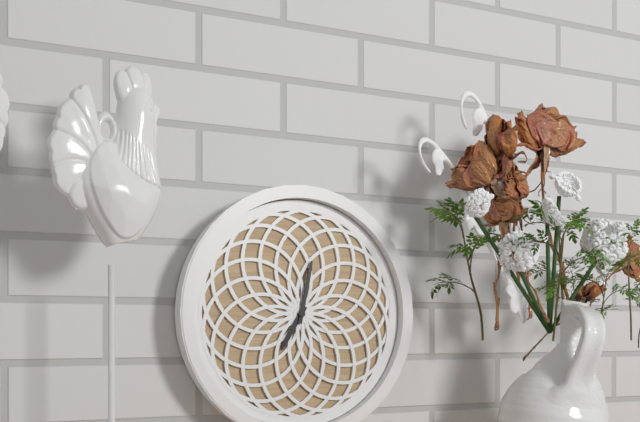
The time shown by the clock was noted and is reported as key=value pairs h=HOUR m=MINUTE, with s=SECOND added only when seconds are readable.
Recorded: h=7 m=2
